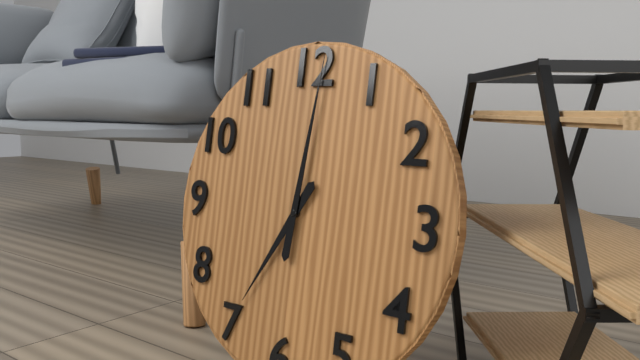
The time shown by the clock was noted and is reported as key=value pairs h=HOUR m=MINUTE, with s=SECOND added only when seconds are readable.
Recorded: h=7 m=1
